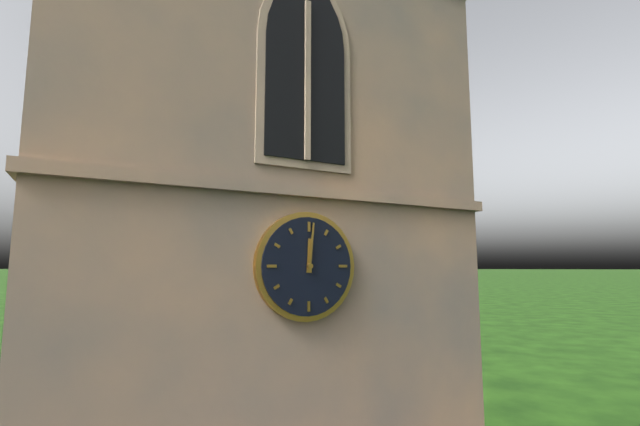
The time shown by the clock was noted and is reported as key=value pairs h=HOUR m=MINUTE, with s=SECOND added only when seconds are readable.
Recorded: h=12 m=1
